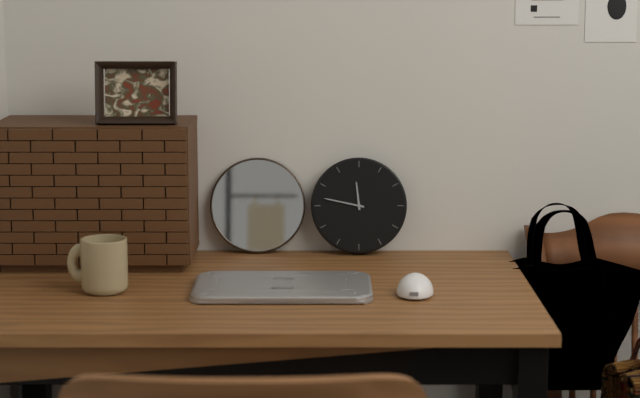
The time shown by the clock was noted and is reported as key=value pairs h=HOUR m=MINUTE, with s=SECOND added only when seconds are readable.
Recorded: h=11 m=47
